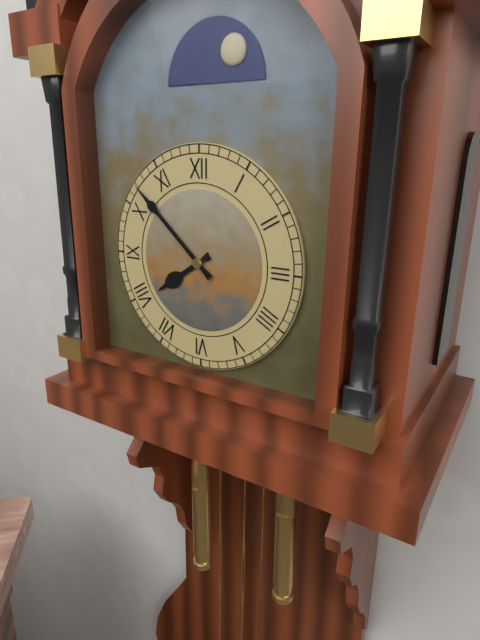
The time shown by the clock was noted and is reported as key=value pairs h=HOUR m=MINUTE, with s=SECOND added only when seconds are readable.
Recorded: h=7 m=52
